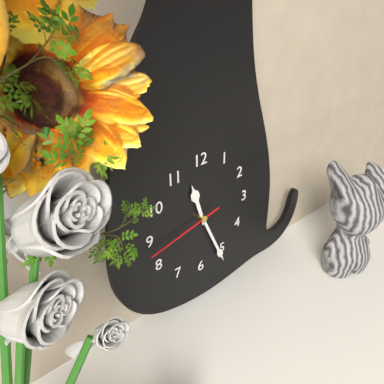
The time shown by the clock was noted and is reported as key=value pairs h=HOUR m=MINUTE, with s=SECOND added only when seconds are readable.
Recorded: h=11 m=26 s=43
